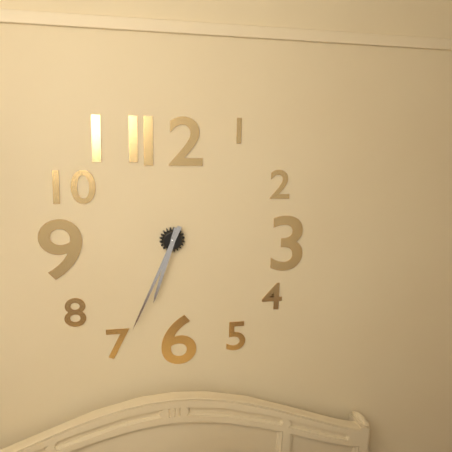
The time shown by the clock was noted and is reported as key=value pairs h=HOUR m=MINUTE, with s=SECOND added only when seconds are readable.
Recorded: h=6 m=34
